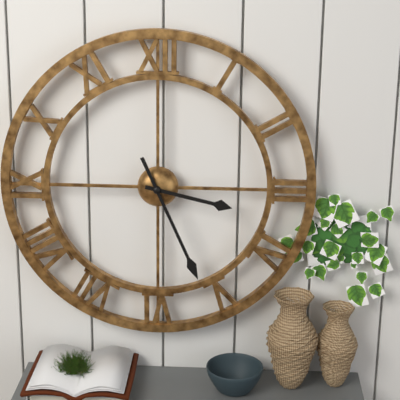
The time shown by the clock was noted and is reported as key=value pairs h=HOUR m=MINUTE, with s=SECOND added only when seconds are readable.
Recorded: h=3 m=26
